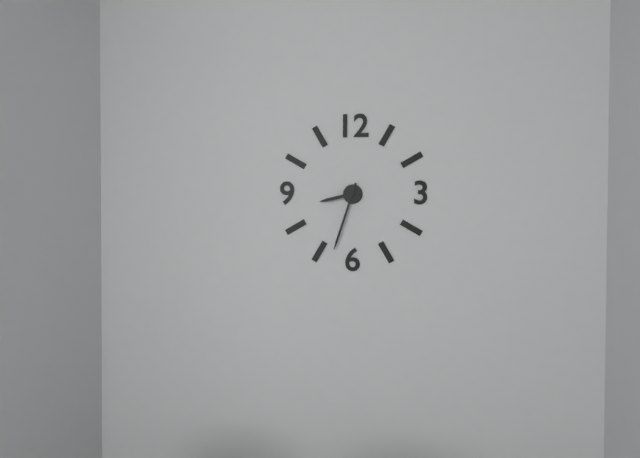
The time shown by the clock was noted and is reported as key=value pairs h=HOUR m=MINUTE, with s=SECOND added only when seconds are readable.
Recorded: h=8 m=33
